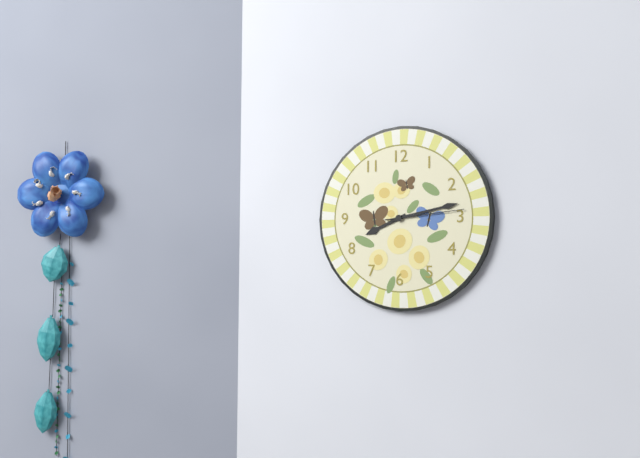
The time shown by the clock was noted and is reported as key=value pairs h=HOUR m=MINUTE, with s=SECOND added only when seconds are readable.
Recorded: h=8 m=13 s=14
